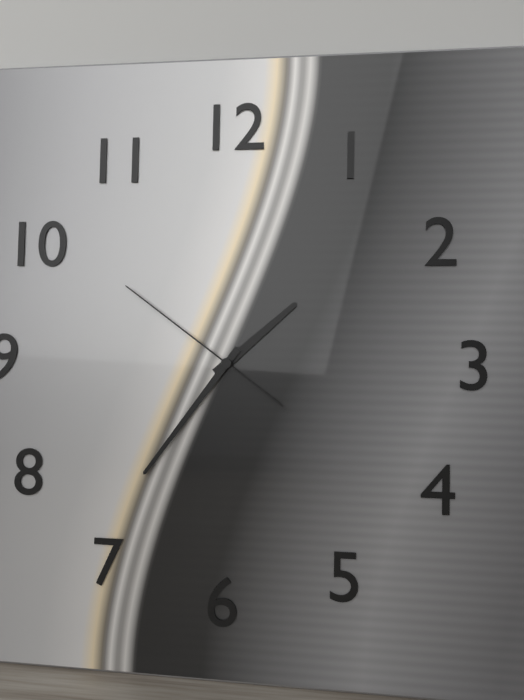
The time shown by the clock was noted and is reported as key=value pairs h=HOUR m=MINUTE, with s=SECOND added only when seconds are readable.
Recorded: h=1 m=36 s=51
